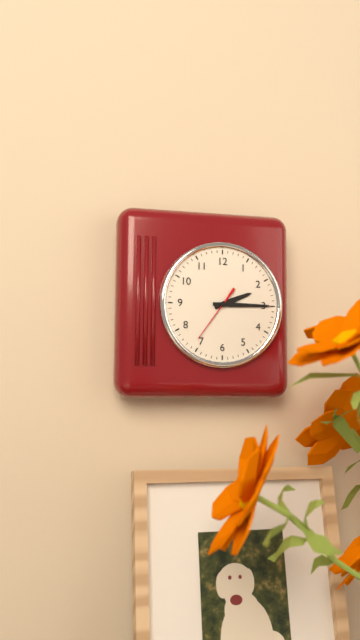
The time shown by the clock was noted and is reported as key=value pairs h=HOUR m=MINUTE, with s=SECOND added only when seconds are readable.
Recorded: h=2 m=15 s=36
